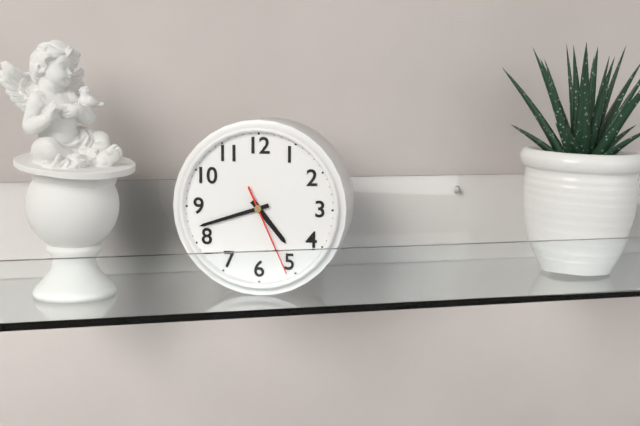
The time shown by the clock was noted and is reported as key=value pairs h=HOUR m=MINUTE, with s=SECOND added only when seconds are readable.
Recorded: h=4 m=42 s=26
